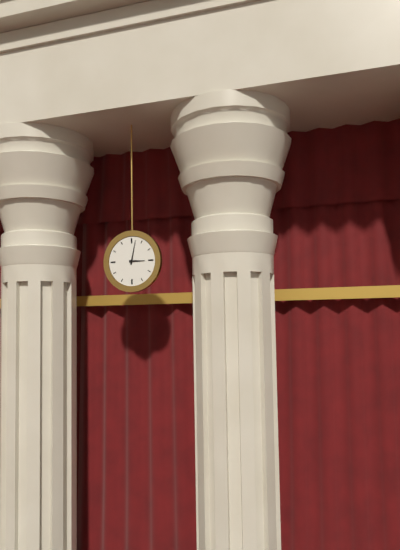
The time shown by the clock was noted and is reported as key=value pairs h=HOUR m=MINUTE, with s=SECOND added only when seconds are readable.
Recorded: h=3 m=2
